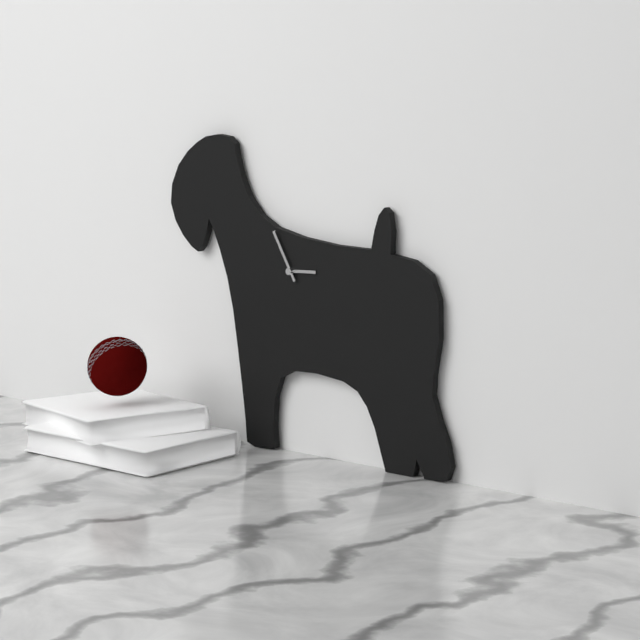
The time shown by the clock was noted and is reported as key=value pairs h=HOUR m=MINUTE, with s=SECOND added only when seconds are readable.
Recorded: h=2 m=55
